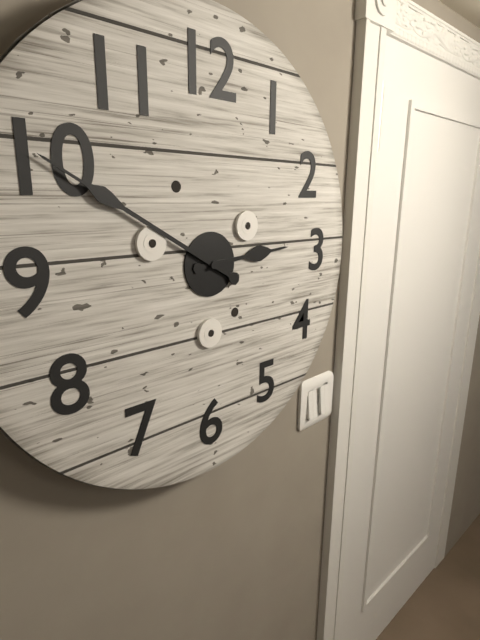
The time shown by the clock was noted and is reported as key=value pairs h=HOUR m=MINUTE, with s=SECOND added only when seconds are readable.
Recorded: h=2 m=50
